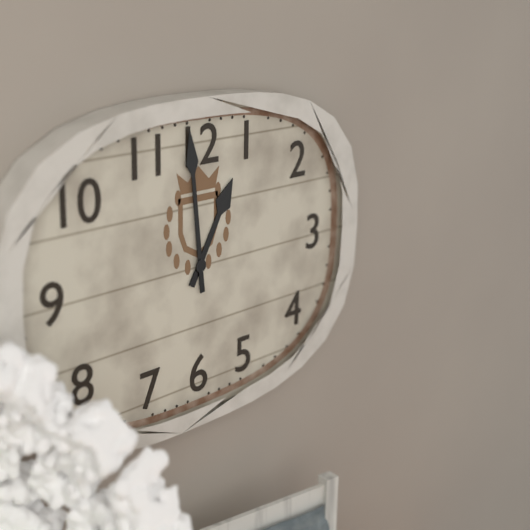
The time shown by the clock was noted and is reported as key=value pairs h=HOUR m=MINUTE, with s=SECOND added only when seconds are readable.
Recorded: h=12 m=59
